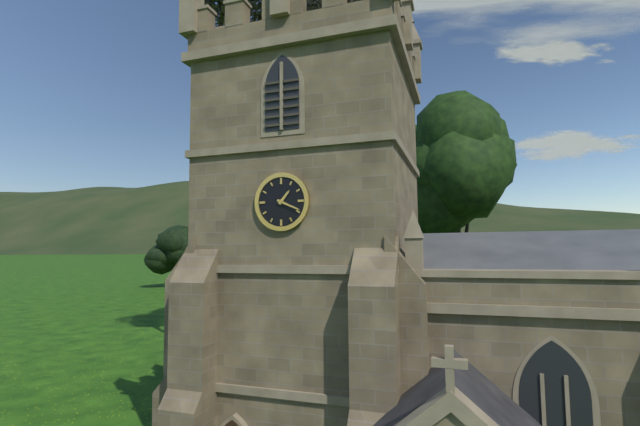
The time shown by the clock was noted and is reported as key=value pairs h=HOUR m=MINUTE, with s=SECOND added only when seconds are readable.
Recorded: h=1 m=19
